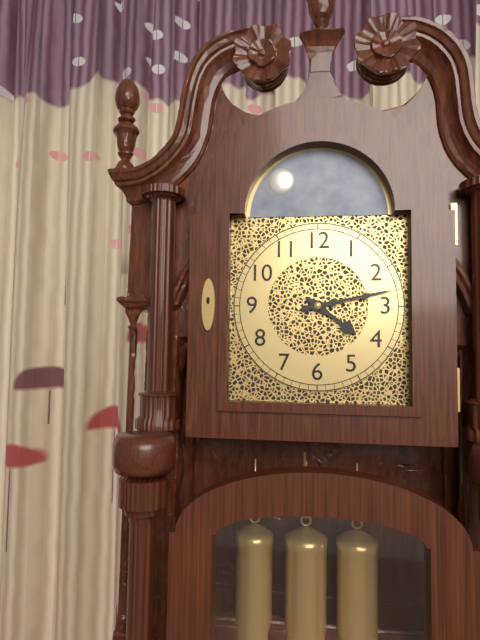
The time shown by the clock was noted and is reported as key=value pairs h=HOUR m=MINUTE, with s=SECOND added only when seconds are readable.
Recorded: h=4 m=13
